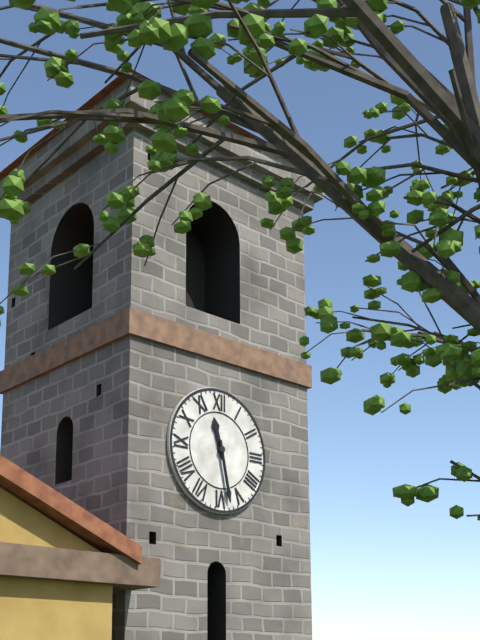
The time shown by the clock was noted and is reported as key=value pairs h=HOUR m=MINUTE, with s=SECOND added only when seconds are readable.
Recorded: h=11 m=28
